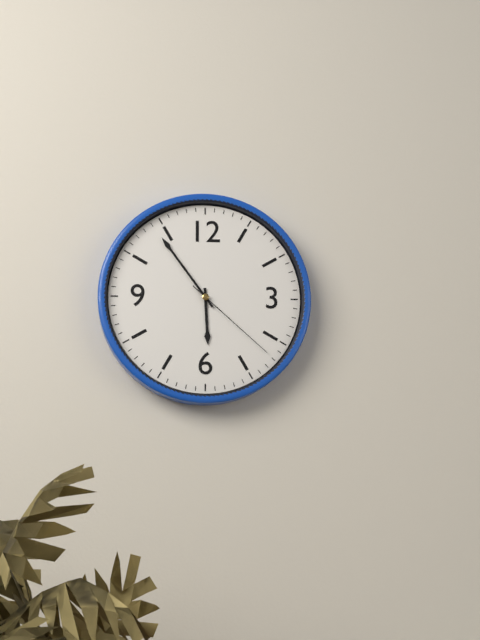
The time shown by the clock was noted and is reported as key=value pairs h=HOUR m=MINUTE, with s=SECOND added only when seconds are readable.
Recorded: h=5 m=54 s=22
